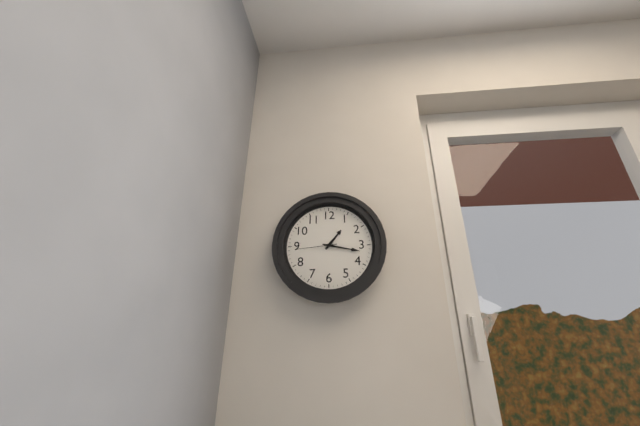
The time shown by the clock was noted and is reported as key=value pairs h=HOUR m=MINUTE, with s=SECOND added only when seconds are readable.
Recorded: h=1 m=17
